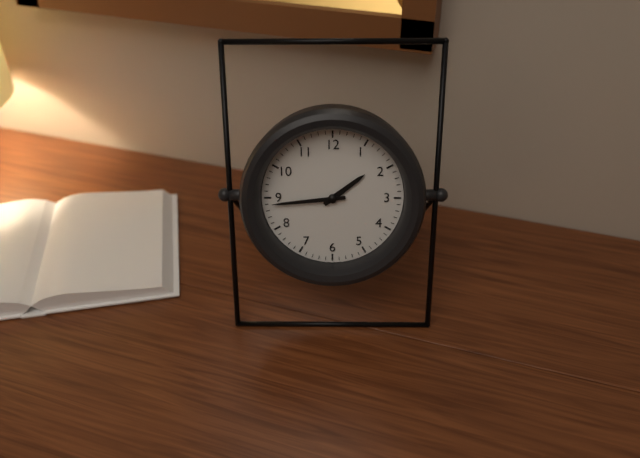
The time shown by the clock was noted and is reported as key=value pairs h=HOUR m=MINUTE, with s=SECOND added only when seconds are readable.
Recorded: h=1 m=44
